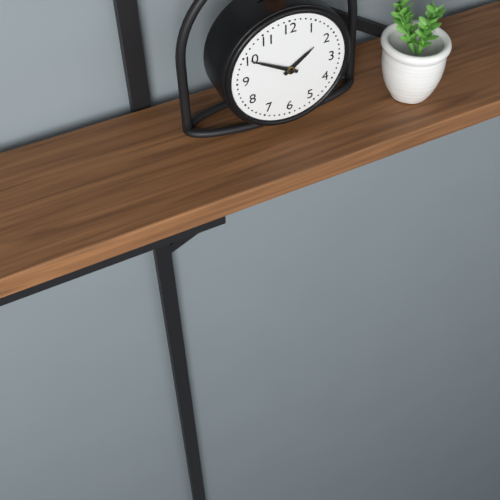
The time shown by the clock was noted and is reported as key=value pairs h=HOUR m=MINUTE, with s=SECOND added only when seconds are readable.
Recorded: h=1 m=50
